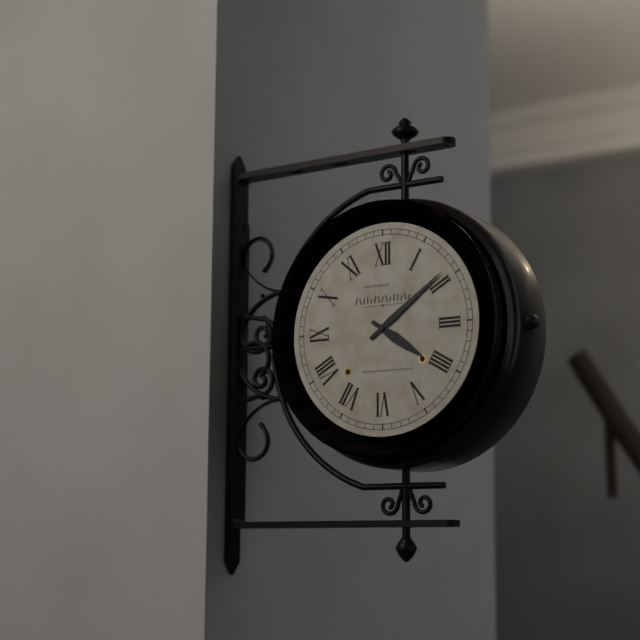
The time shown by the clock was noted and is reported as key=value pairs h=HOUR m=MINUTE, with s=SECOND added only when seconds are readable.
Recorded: h=4 m=9
